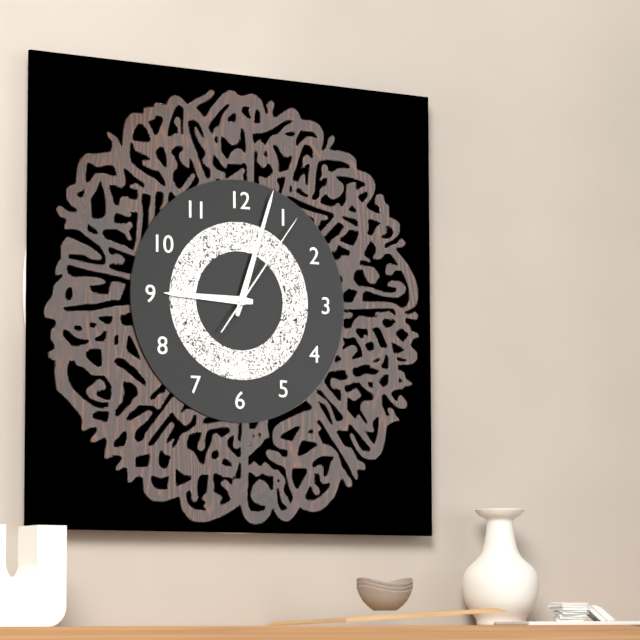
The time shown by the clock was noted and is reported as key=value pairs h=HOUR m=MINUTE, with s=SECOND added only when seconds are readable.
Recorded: h=9 m=3 s=6
